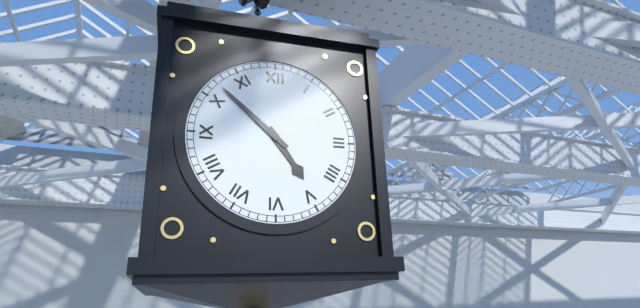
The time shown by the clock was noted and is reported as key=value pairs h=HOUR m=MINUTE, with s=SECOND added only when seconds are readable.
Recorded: h=4 m=52
